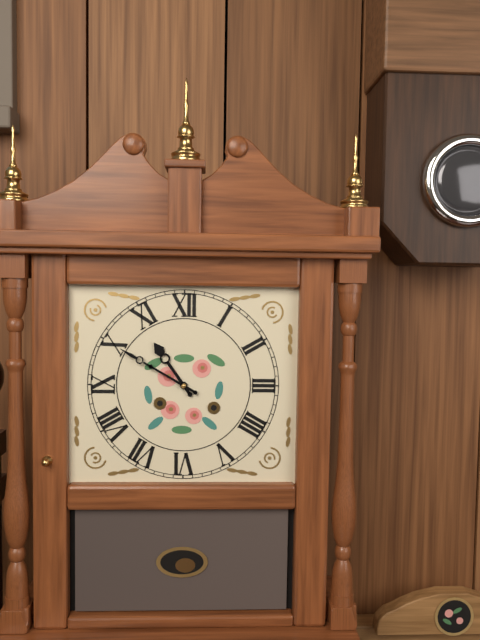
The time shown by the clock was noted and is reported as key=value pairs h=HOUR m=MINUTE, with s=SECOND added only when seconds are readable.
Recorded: h=10 m=50
